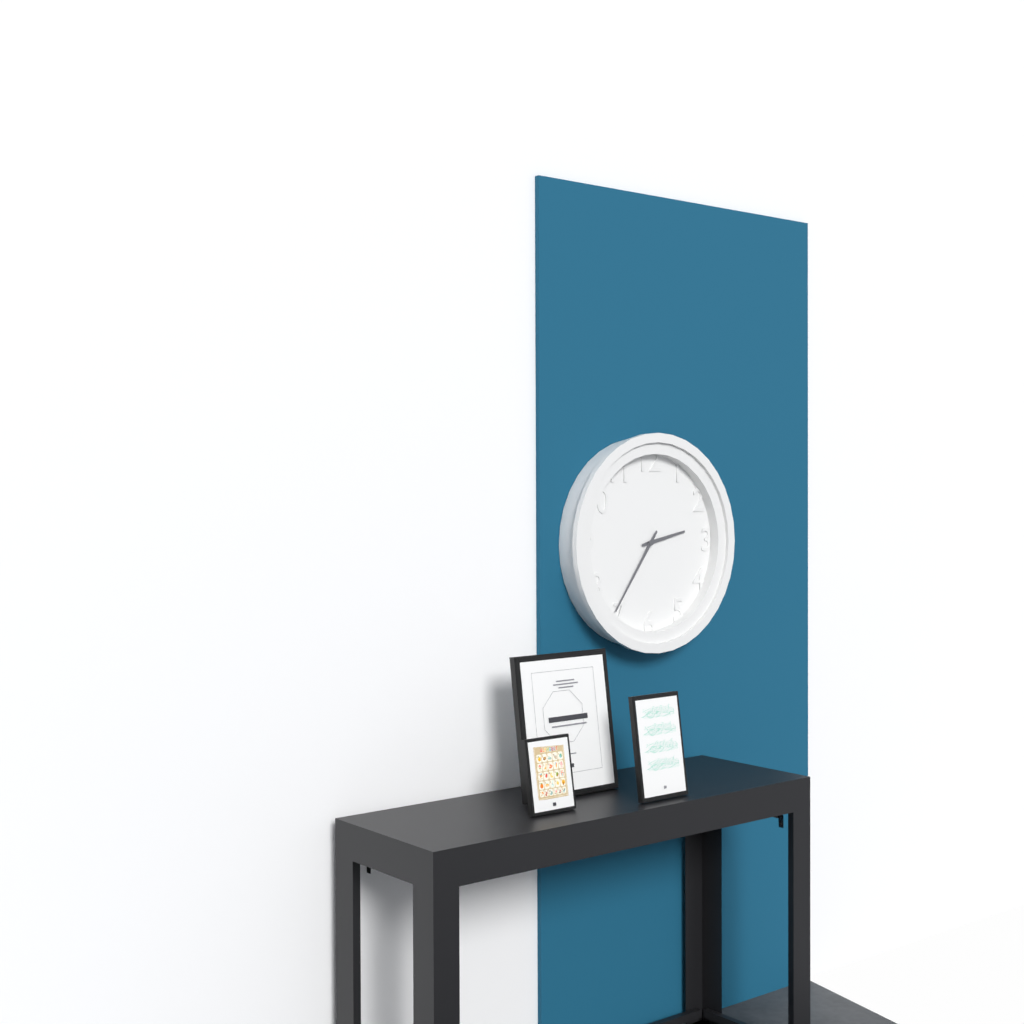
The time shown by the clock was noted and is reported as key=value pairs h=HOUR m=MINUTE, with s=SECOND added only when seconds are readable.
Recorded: h=2 m=36
